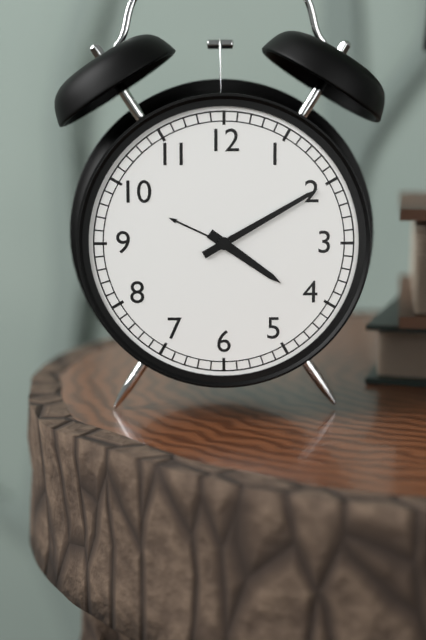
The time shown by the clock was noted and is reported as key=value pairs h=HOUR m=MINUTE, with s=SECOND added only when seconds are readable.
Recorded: h=4 m=10
